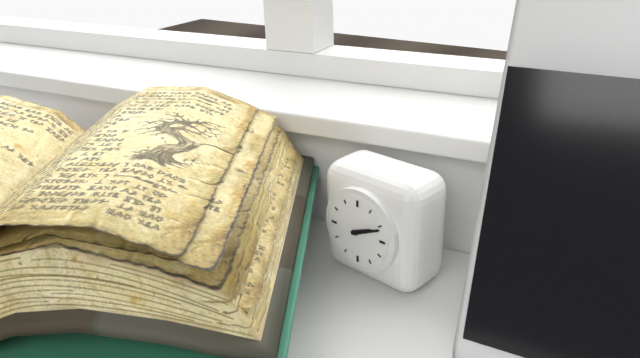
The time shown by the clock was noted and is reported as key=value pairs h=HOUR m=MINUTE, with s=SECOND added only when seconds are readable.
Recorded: h=2 m=11
